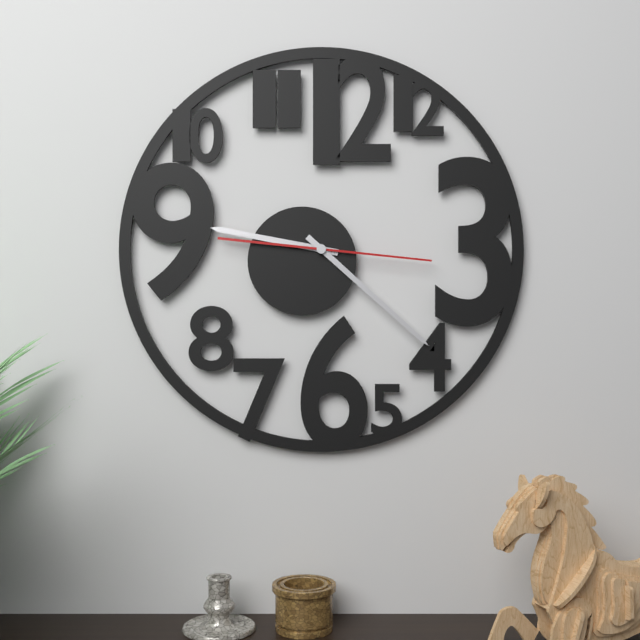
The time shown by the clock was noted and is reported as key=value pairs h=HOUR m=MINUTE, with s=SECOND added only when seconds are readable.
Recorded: h=9 m=22 s=16
